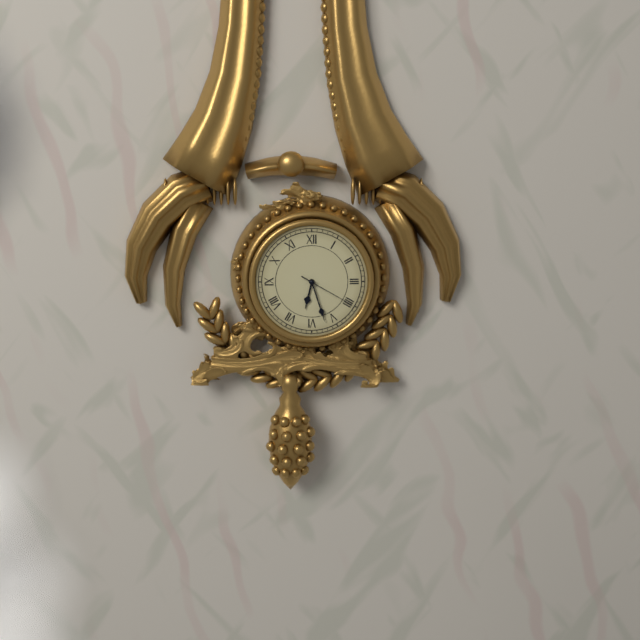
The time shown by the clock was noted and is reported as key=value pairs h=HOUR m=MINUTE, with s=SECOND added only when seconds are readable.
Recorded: h=6 m=27 s=20
